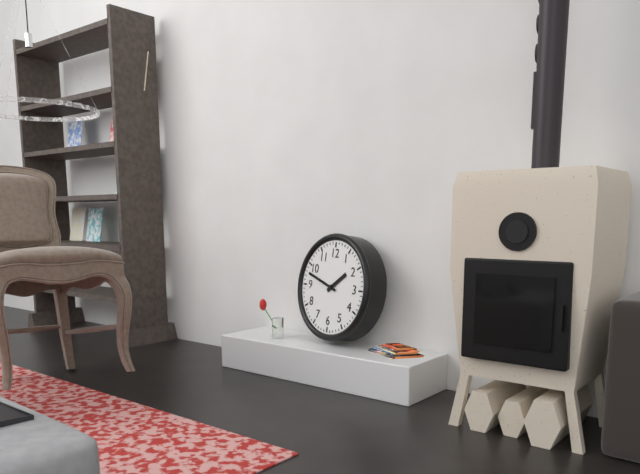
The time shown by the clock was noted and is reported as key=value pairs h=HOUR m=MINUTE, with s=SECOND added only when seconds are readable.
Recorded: h=1 m=48
